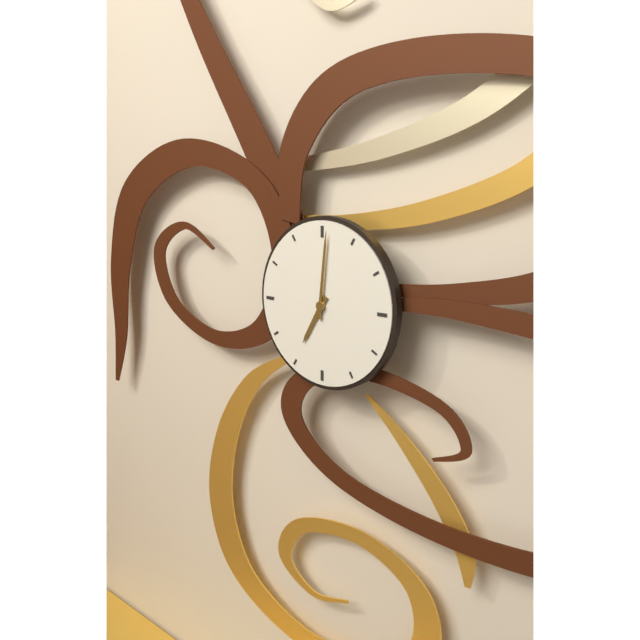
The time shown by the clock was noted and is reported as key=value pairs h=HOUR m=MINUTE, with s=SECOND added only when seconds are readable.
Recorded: h=7 m=1
